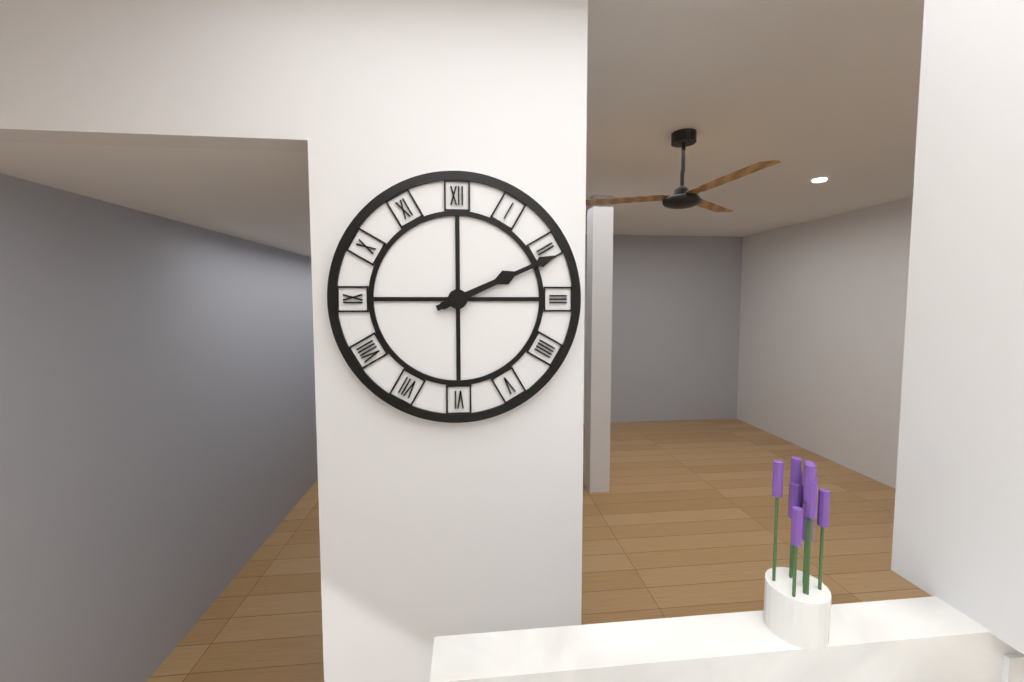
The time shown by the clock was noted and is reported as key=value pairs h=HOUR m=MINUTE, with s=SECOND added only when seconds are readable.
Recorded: h=2 m=11
